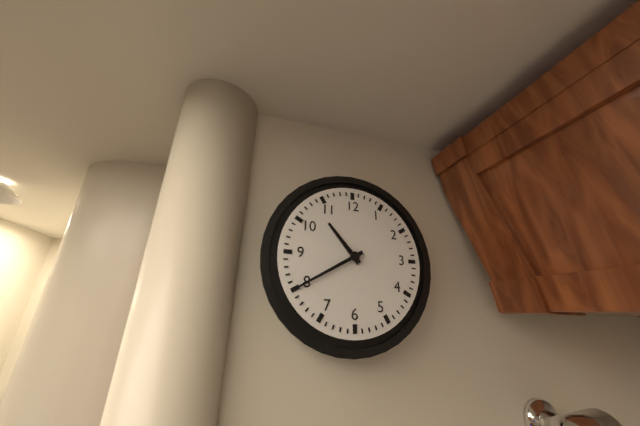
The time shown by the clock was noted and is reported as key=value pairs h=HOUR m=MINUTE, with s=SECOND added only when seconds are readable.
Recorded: h=10 m=40
